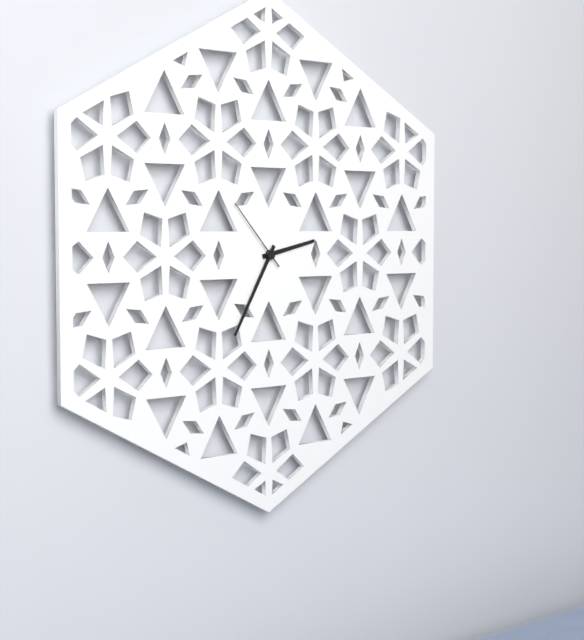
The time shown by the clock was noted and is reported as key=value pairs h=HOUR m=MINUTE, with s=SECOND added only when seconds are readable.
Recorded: h=2 m=35 s=53
